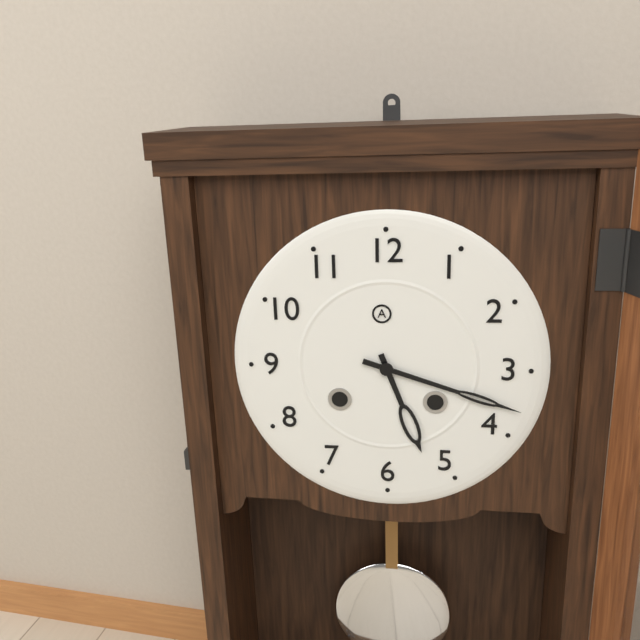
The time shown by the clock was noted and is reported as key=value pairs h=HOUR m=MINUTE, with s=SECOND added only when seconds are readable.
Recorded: h=5 m=18
